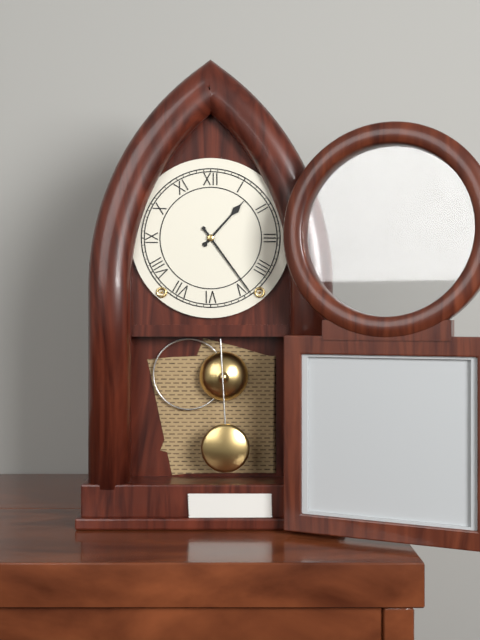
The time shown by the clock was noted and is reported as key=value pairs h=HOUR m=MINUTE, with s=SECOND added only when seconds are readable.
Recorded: h=1 m=24
